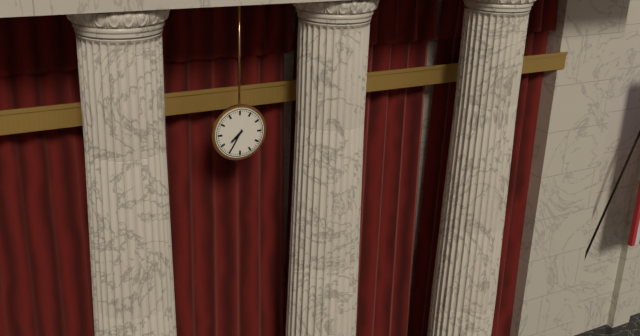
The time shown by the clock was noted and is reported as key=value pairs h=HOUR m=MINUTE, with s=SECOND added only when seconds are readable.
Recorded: h=7 m=35
